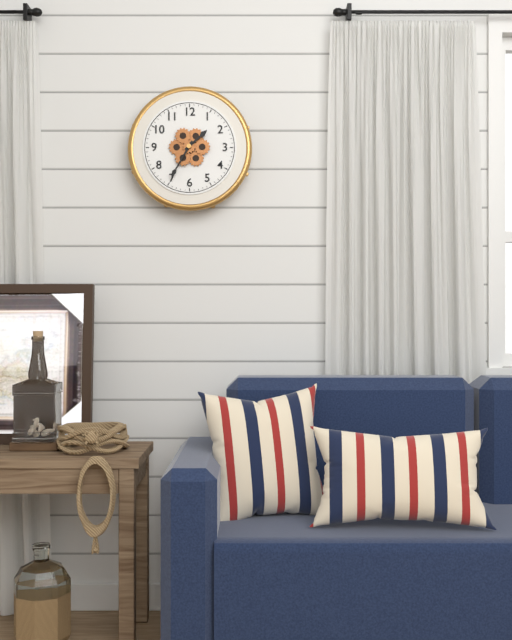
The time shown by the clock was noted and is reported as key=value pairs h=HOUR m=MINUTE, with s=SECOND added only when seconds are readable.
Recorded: h=1 m=35
